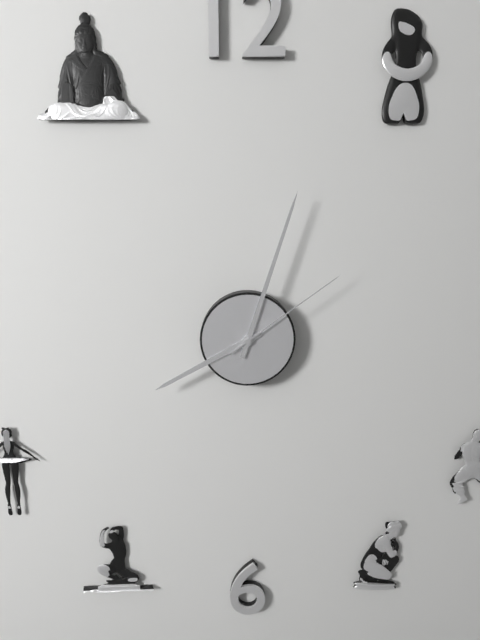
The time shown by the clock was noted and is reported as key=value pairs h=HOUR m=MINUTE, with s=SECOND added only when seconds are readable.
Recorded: h=8 m=3 s=9
